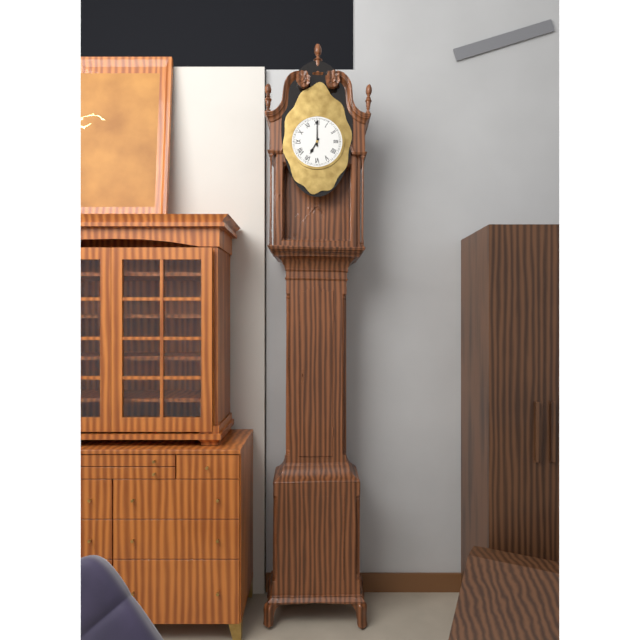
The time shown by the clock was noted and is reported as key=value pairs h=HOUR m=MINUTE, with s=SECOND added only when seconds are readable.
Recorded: h=7 m=0
